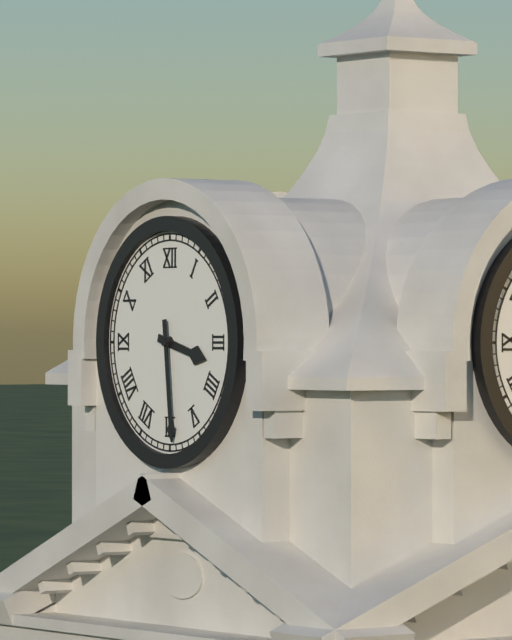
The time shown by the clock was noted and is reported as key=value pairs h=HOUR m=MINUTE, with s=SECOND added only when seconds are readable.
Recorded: h=3 m=29
